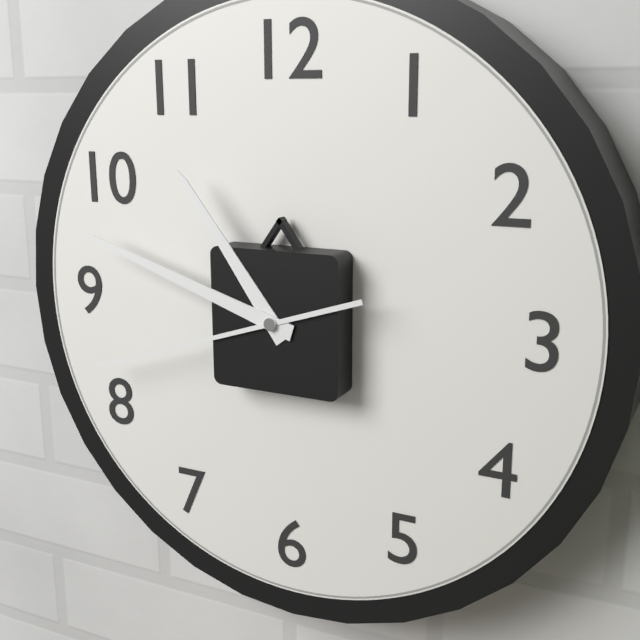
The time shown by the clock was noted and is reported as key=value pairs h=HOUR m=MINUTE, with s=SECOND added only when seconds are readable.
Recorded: h=10 m=48 s=42
